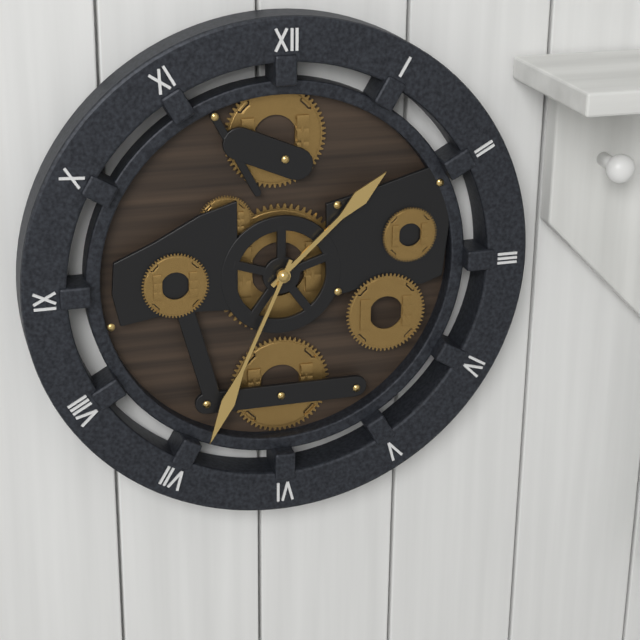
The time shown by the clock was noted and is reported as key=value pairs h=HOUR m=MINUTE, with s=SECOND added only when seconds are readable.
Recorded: h=1 m=34
